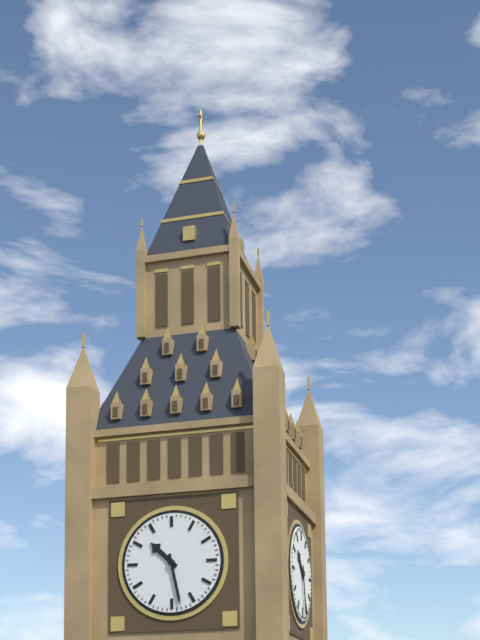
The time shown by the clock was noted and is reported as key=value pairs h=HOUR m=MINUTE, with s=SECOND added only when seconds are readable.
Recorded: h=10 m=28
